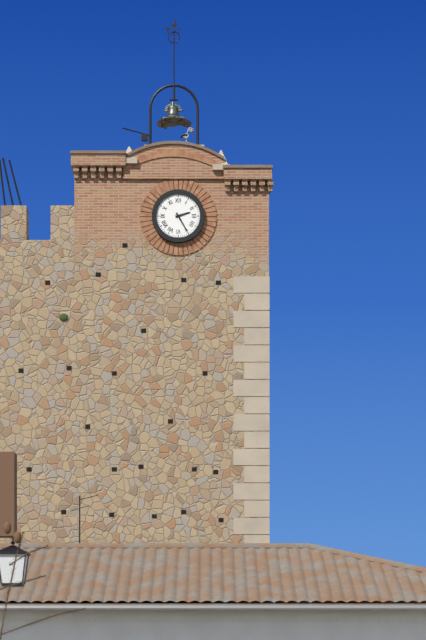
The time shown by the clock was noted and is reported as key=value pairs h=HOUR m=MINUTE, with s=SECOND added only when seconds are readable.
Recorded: h=2 m=25
